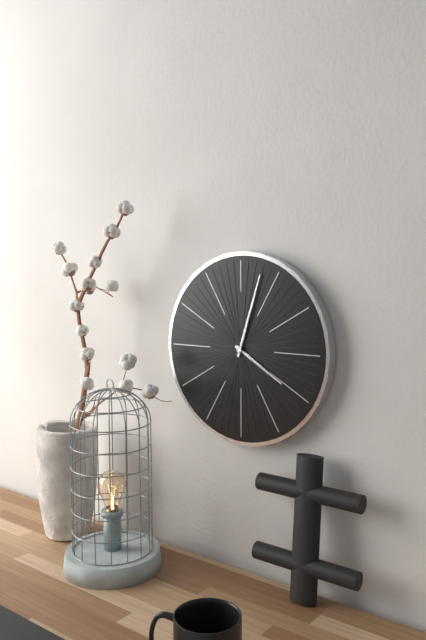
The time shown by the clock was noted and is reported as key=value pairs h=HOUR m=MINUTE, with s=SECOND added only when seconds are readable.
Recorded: h=4 m=3
